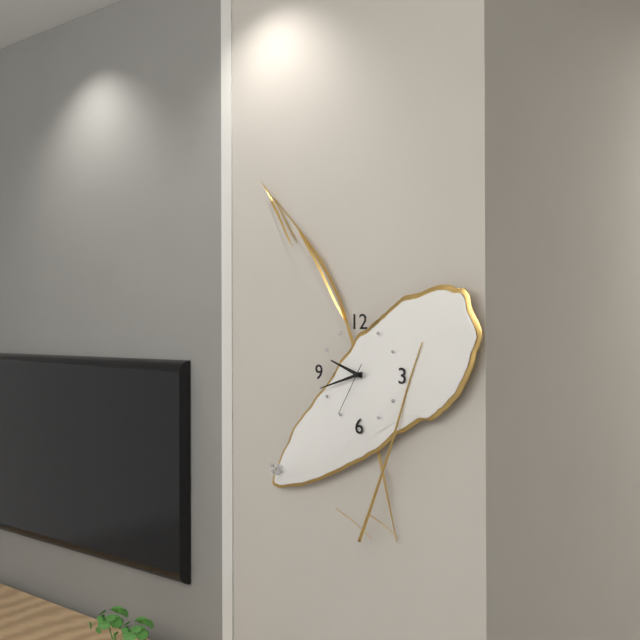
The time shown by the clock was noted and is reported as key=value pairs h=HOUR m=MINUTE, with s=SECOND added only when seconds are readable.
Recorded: h=9 m=42 s=35
